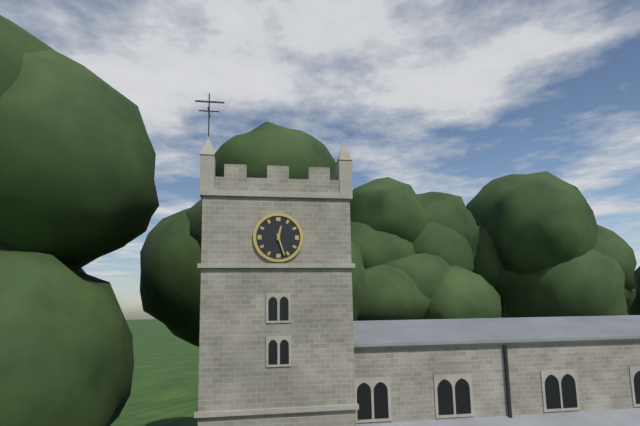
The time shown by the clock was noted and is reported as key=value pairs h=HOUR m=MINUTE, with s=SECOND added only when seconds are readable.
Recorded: h=12 m=27
